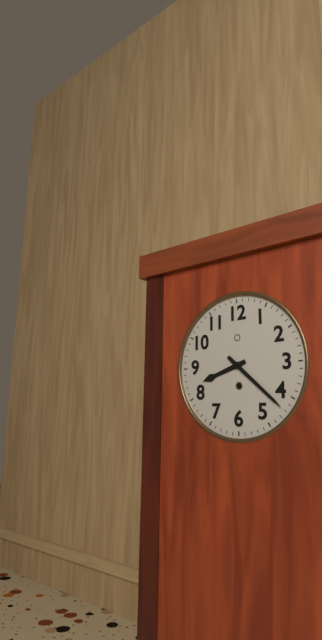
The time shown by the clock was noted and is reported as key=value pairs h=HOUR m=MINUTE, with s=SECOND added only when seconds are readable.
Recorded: h=8 m=22
